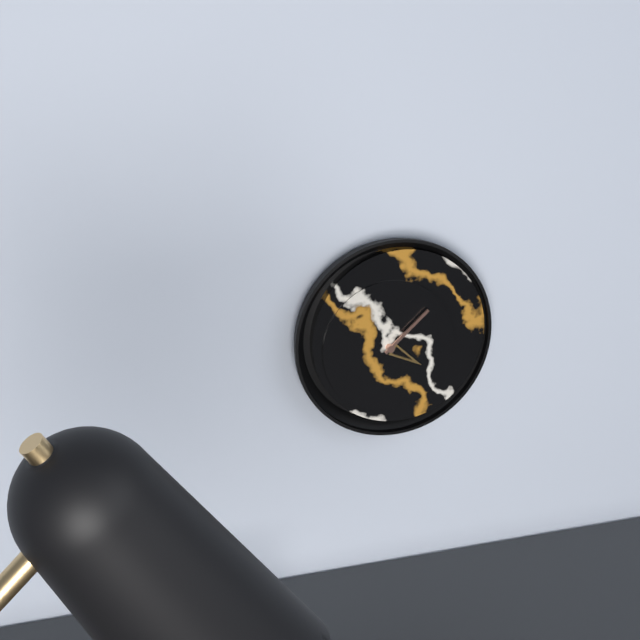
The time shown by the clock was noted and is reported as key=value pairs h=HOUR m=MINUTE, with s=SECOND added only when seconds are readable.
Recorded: h=4 m=8
